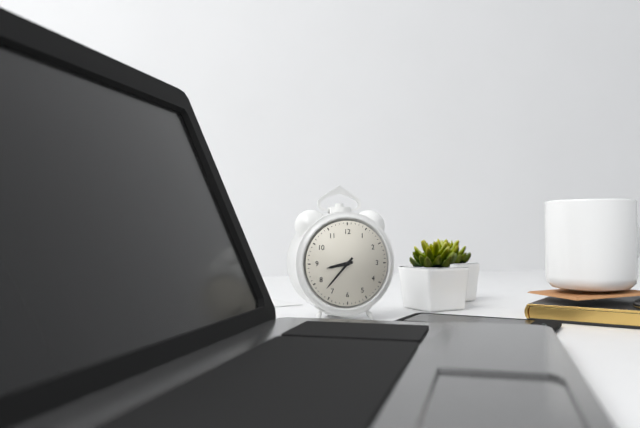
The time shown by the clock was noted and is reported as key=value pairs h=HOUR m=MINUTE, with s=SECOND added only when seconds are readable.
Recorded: h=8 m=37
